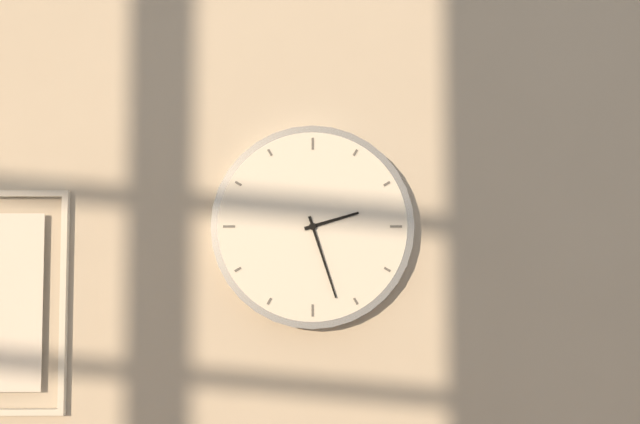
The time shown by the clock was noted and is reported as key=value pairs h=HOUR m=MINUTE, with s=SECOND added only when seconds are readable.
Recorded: h=2 m=27
